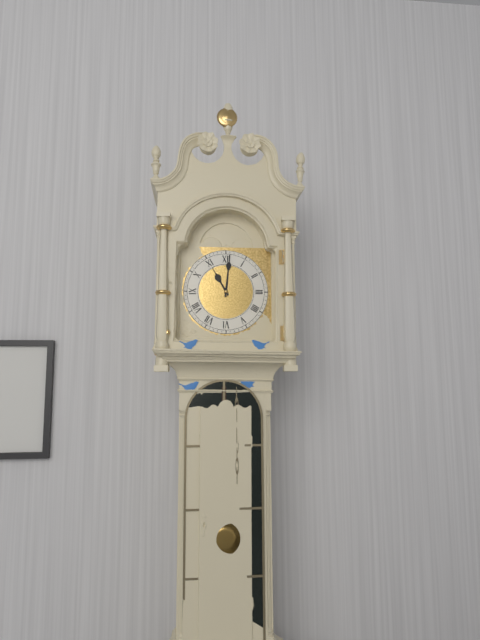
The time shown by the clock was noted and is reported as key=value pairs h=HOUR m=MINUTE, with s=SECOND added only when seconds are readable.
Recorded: h=11 m=1
